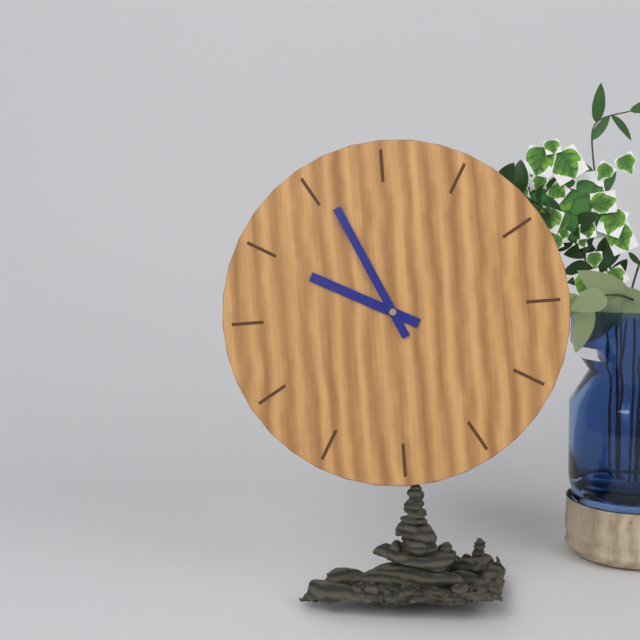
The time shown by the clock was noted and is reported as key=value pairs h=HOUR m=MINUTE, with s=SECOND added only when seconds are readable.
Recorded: h=9 m=56
